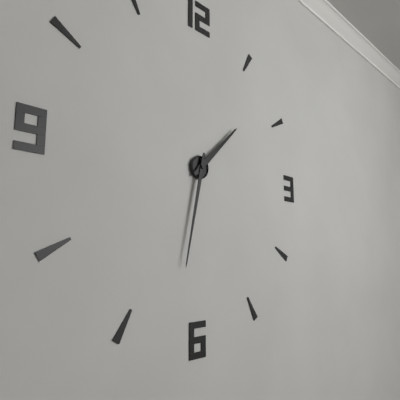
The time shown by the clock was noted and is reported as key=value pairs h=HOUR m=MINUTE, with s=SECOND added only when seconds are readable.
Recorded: h=1 m=32
